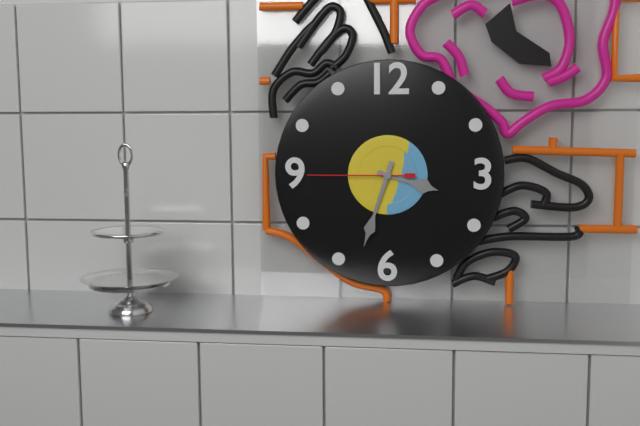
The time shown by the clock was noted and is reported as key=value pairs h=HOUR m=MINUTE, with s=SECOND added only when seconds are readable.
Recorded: h=3 m=33 s=45
